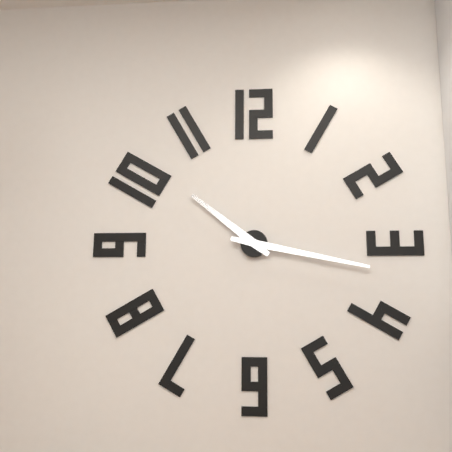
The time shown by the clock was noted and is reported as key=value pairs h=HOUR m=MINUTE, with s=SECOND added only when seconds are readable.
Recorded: h=10 m=17
